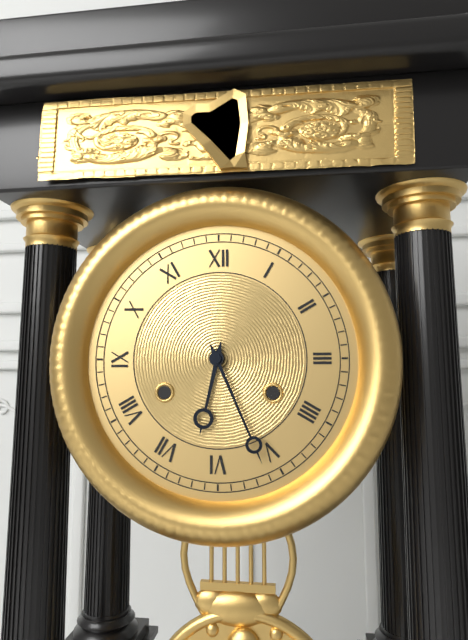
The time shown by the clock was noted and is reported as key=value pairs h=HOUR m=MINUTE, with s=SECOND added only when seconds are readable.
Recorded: h=6 m=26
